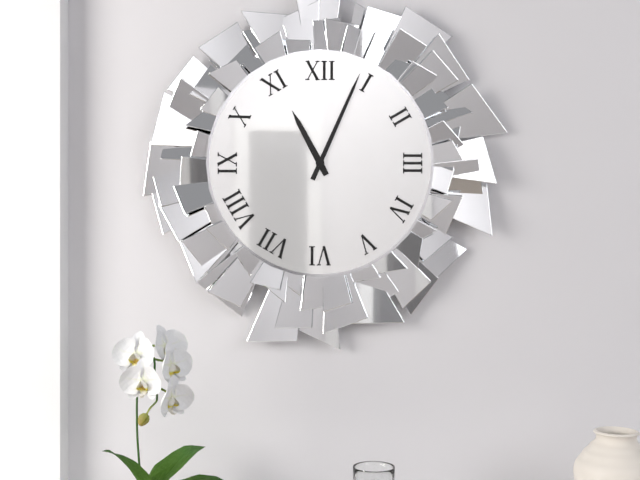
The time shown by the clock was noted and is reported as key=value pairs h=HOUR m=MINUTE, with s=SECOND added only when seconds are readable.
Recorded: h=11 m=4
